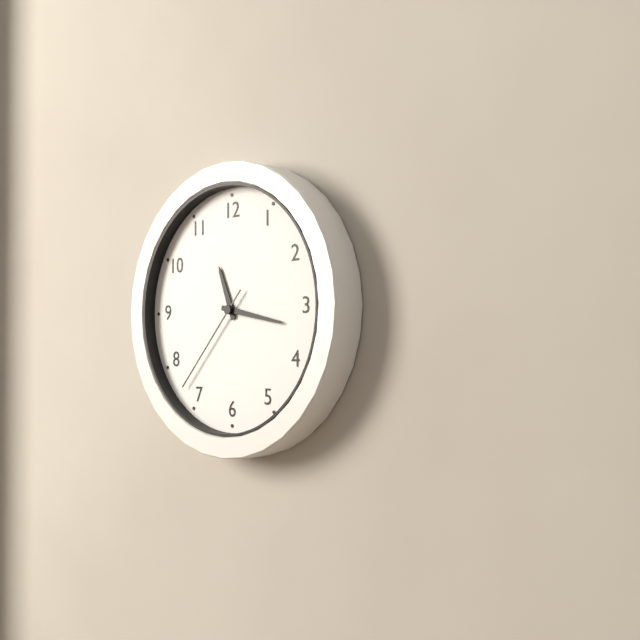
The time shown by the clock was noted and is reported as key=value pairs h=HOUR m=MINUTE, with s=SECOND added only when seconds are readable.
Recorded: h=11 m=17 s=37
